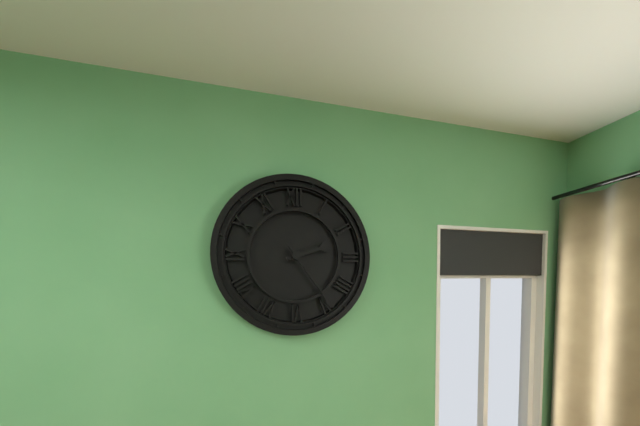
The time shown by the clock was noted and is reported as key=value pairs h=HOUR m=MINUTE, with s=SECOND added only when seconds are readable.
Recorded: h=2 m=24
